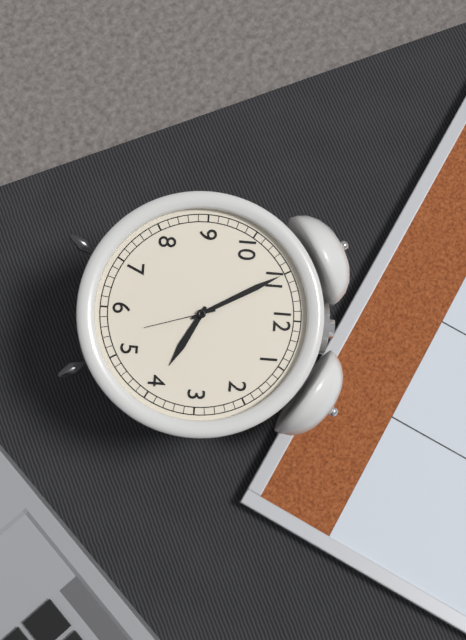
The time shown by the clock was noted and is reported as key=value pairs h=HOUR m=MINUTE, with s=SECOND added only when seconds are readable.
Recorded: h=3 m=55 s=27
